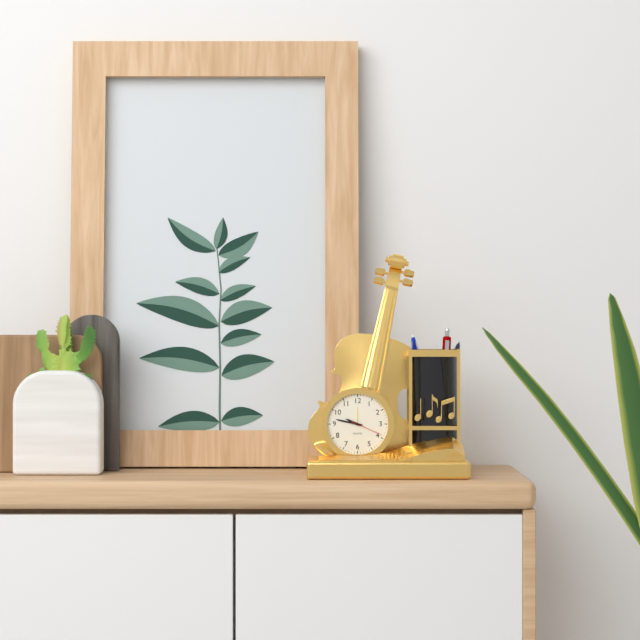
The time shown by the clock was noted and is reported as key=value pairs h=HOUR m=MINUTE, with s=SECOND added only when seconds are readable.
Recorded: h=9 m=47
